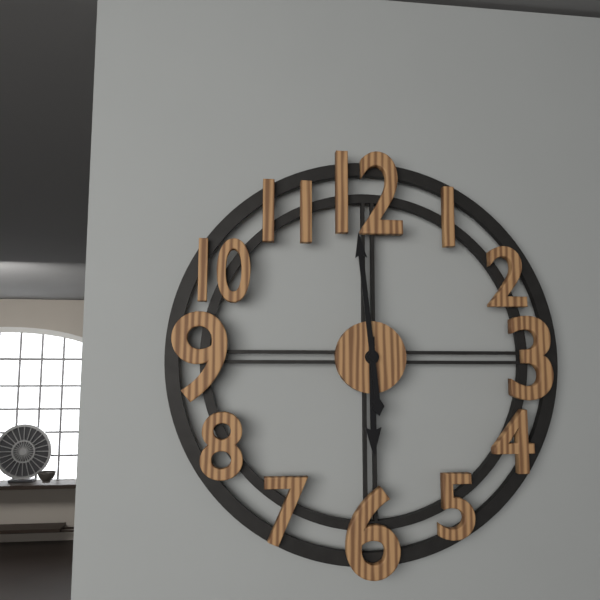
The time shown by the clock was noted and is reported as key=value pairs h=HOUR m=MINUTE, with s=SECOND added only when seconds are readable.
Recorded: h=5 m=59
